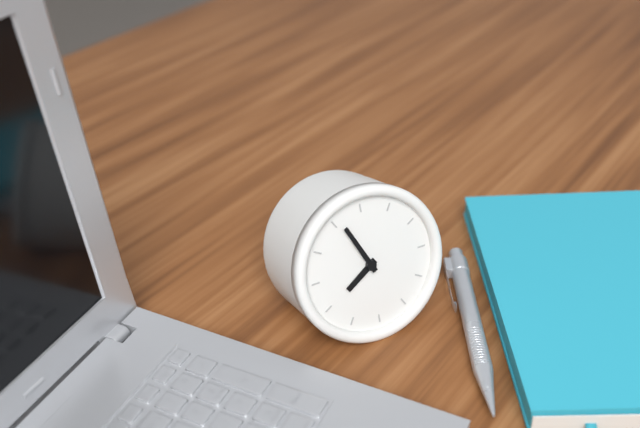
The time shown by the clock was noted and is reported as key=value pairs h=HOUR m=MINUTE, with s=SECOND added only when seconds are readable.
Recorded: h=7 m=56
